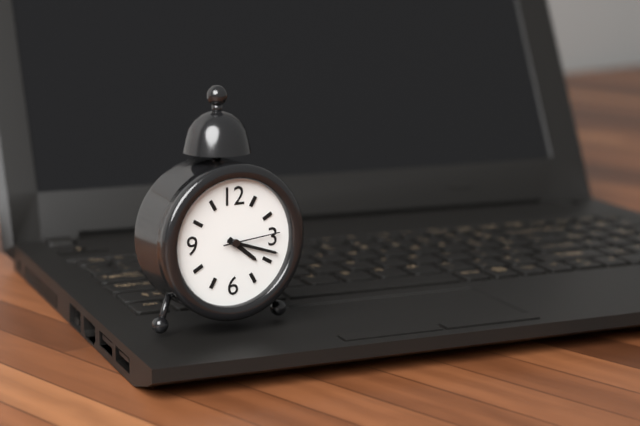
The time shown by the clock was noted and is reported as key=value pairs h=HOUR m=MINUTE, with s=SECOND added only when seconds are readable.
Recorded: h=4 m=18 s=14
